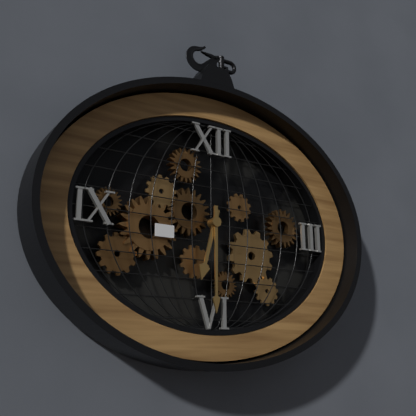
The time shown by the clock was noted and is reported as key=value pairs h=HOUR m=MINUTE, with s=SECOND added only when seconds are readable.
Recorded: h=6 m=30
